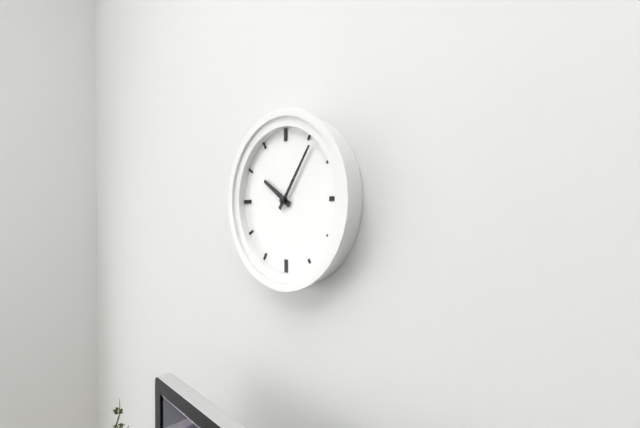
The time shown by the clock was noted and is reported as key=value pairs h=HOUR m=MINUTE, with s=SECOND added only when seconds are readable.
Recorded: h=10 m=6
